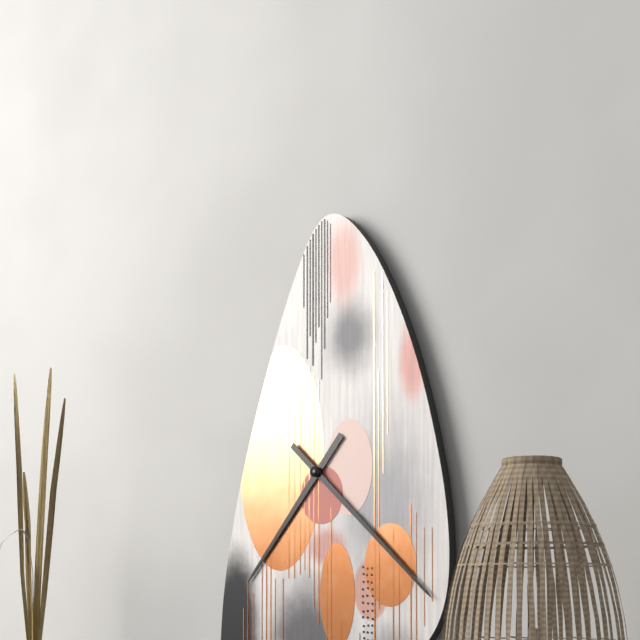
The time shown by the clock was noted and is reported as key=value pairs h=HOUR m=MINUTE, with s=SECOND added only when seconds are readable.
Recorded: h=7 m=22
